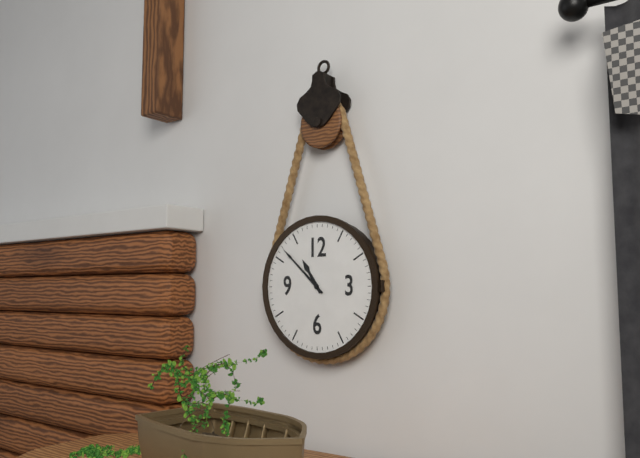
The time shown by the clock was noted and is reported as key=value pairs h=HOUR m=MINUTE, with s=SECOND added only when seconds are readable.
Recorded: h=10 m=52
